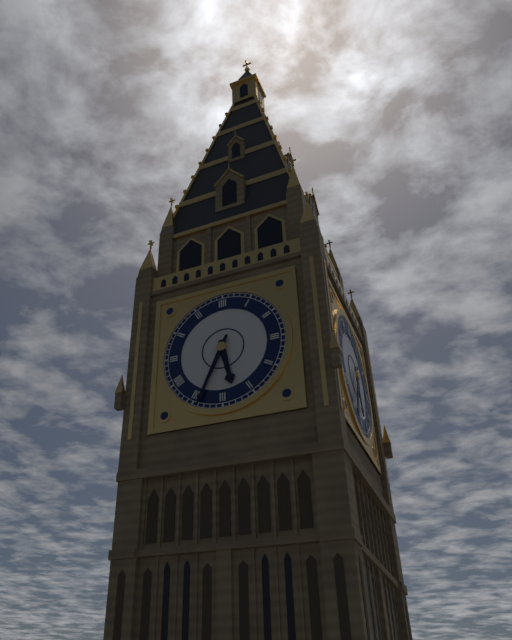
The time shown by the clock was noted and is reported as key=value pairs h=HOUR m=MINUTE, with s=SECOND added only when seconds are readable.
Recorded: h=5 m=34
